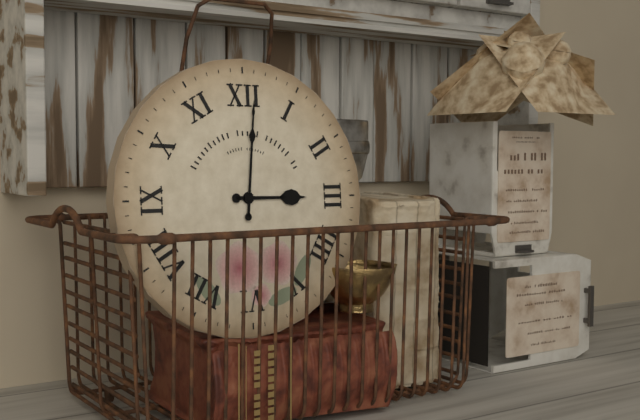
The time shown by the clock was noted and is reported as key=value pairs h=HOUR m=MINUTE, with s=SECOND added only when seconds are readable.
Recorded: h=3 m=1
